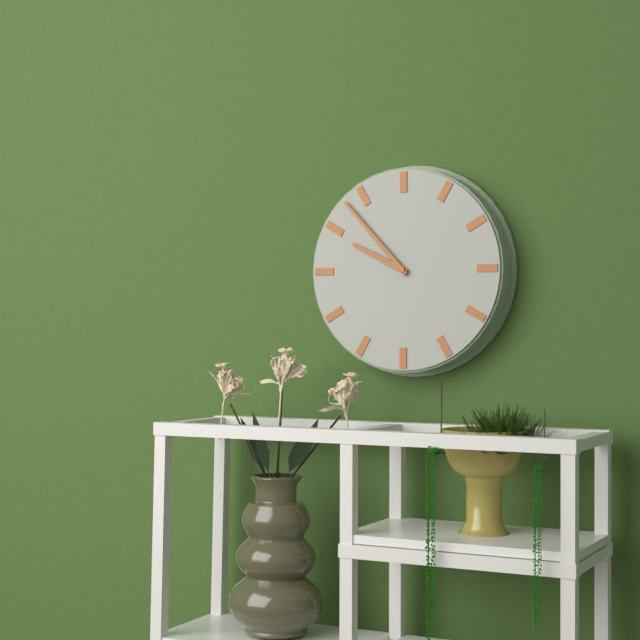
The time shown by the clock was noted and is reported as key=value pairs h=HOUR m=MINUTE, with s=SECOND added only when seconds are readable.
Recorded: h=9 m=53
